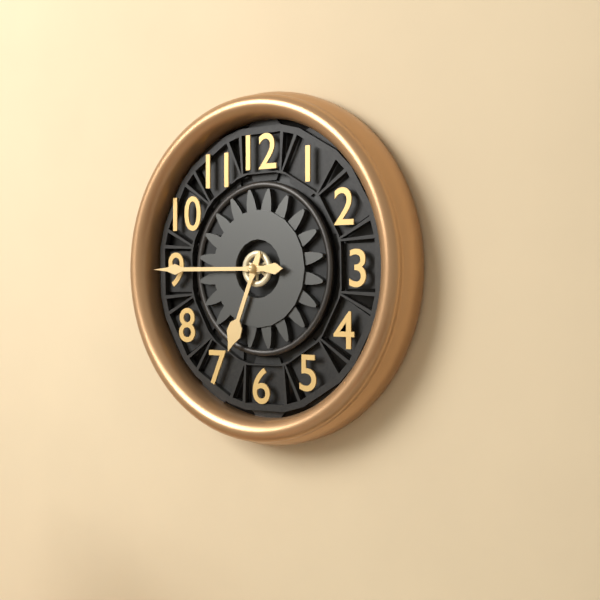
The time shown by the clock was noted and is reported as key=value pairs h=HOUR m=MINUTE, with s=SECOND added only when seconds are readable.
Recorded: h=6 m=45
